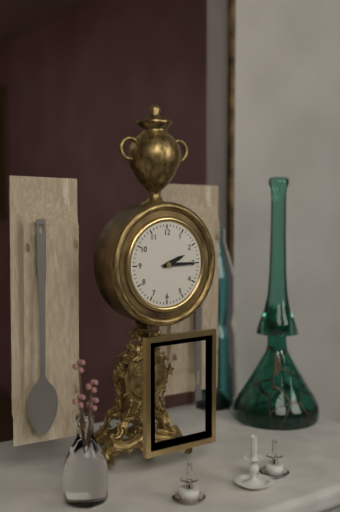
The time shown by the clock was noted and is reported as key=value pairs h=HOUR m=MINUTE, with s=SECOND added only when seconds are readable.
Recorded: h=2 m=15
